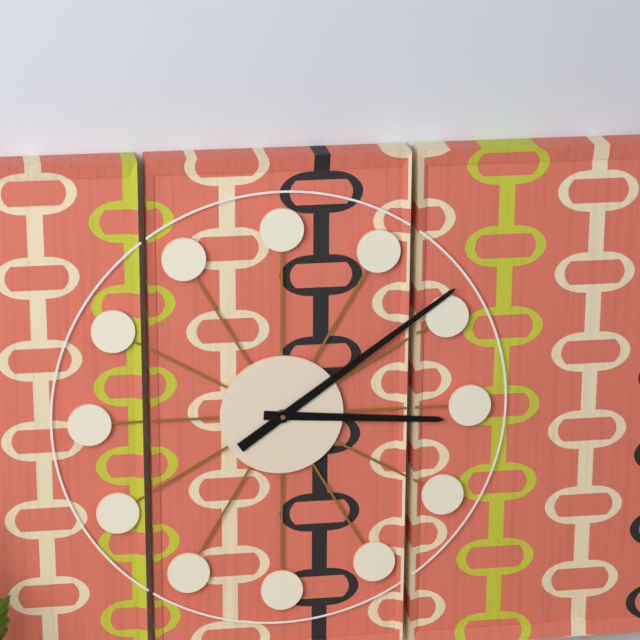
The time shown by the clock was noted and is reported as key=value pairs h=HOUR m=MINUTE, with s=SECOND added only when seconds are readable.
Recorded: h=3 m=9
